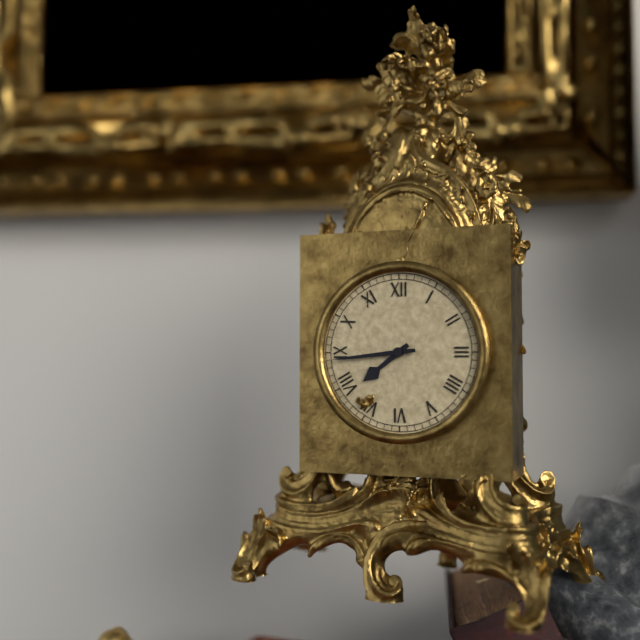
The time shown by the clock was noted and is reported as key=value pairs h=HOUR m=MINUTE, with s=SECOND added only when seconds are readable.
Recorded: h=7 m=44
